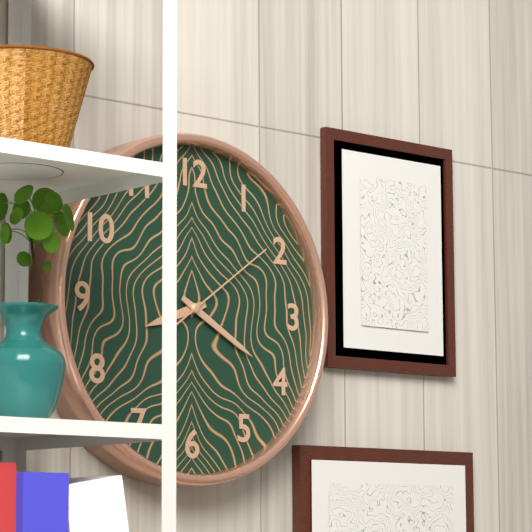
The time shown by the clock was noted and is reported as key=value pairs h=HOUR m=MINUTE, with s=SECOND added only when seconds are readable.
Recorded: h=8 m=20 s=9
